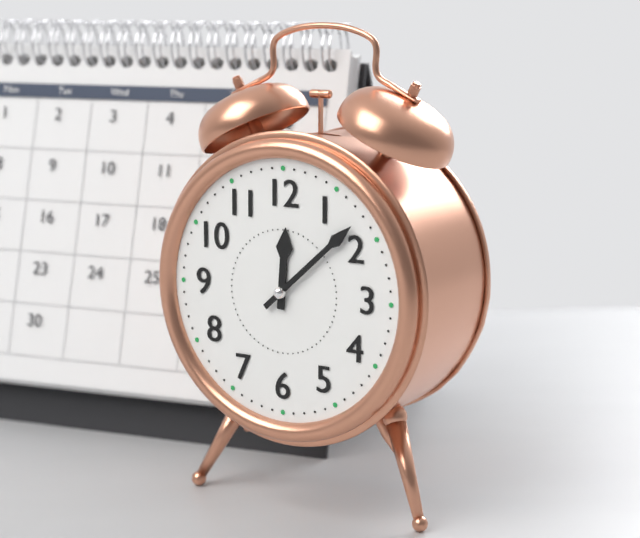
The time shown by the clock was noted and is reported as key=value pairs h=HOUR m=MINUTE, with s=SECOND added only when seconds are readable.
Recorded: h=12 m=8
